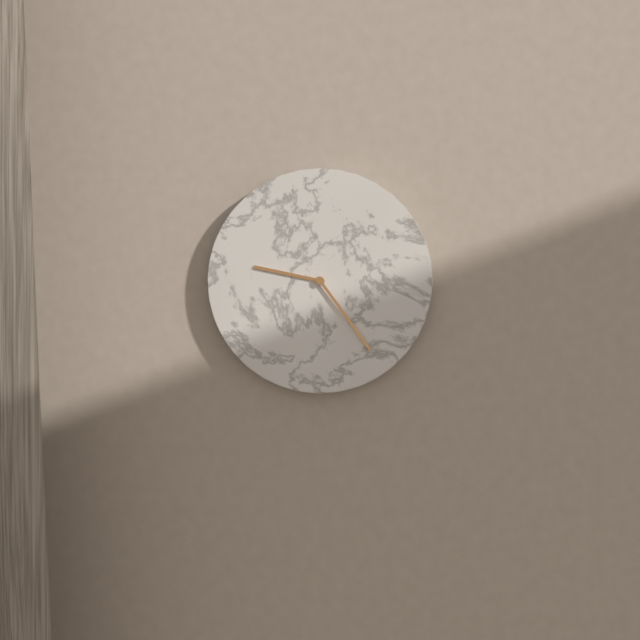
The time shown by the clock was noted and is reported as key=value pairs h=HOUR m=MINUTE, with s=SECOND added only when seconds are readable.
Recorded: h=9 m=24
